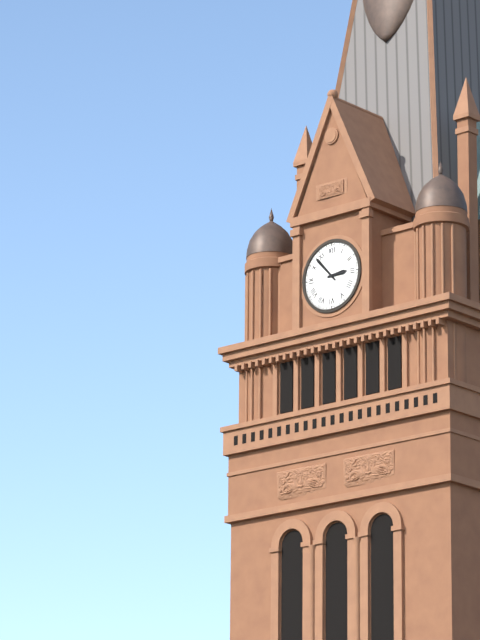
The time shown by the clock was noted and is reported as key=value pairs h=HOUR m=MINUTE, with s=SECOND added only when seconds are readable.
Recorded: h=2 m=53
